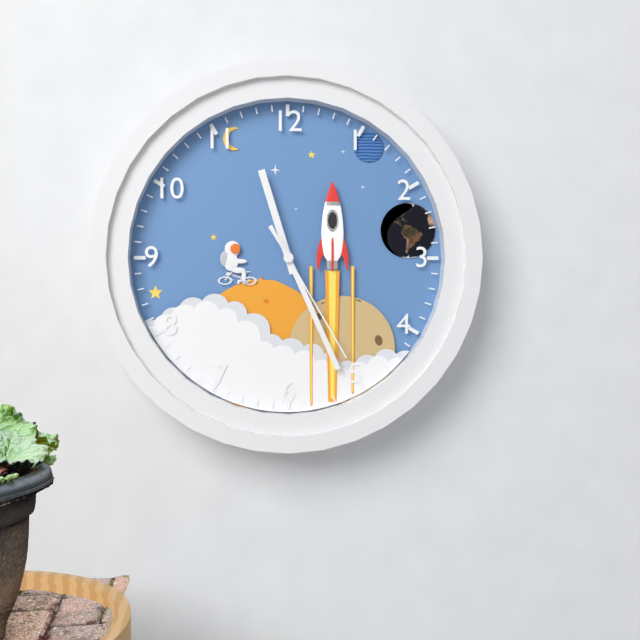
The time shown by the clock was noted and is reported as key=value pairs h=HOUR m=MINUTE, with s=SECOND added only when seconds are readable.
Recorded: h=11 m=26 s=25
